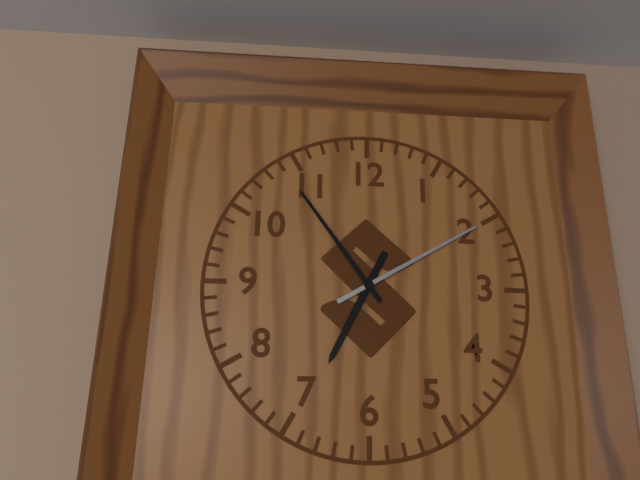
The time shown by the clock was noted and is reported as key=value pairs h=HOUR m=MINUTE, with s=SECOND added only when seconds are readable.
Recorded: h=6 m=54 s=10
